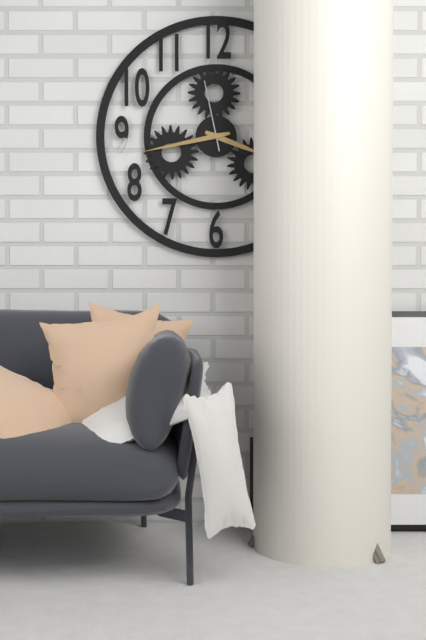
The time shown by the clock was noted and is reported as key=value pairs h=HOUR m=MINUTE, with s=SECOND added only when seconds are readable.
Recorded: h=3 m=43 s=58
